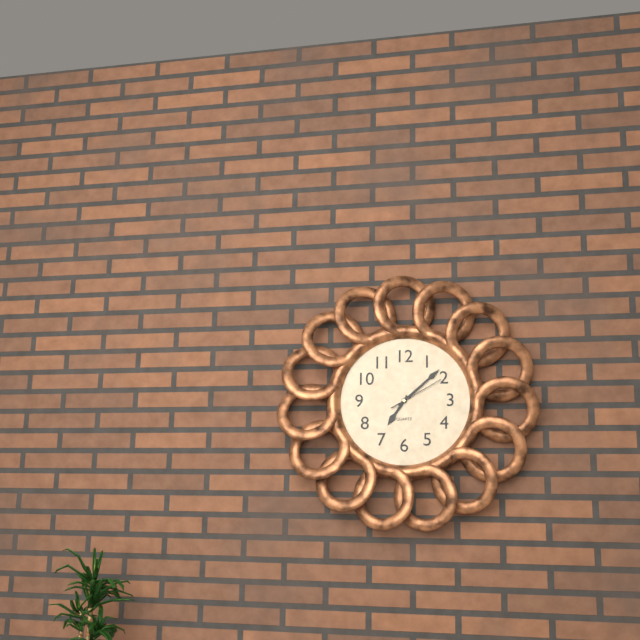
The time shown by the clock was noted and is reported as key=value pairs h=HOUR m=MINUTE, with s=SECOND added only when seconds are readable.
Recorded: h=7 m=8 s=10
